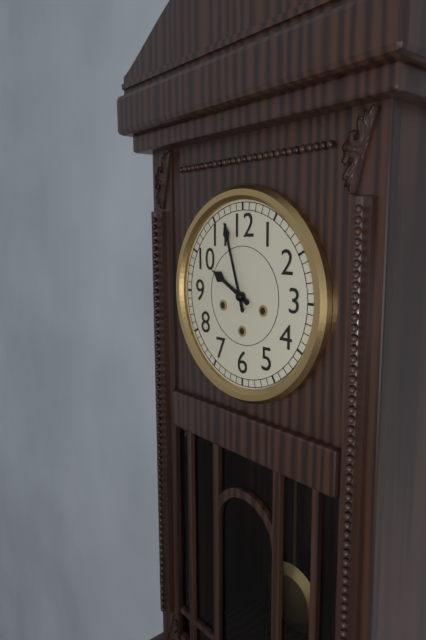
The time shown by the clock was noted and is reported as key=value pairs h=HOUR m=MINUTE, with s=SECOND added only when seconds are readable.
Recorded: h=9 m=57
